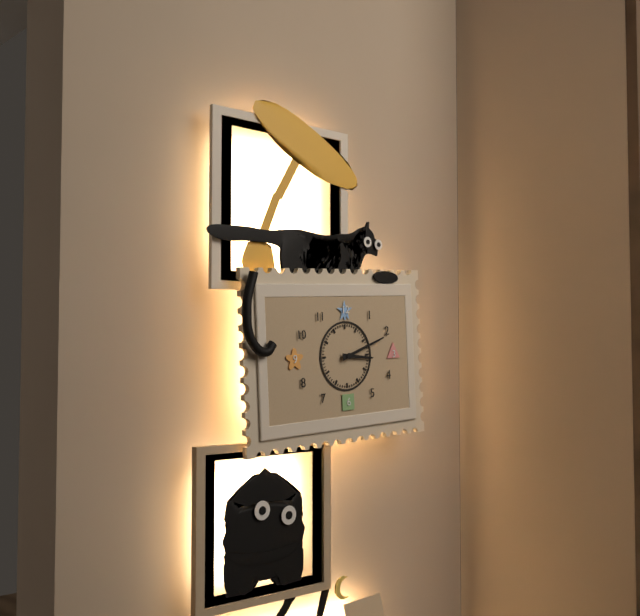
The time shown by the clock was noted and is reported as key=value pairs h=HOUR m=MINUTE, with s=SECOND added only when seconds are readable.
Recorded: h=3 m=12
